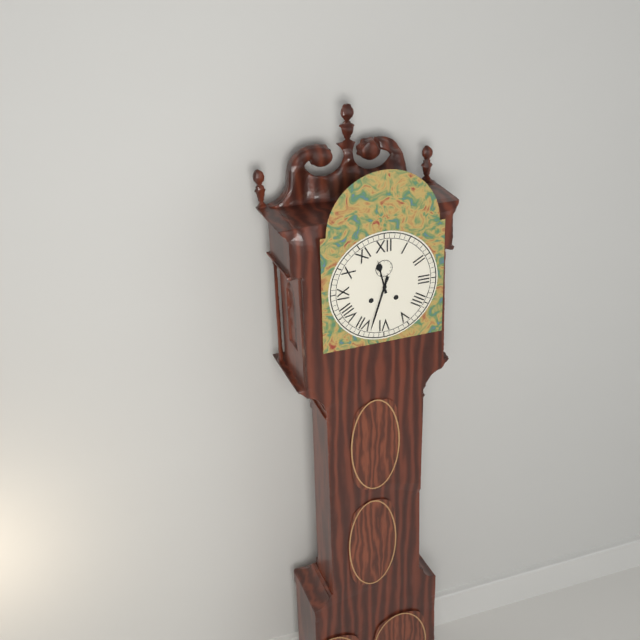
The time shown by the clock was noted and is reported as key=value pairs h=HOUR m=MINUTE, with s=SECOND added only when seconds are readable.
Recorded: h=11 m=33
